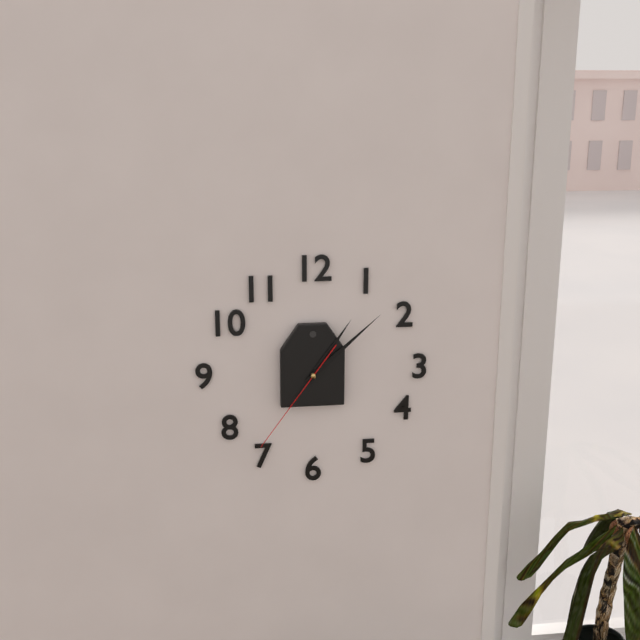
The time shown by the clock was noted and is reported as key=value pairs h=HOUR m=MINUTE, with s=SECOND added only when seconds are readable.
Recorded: h=1 m=8 s=36
